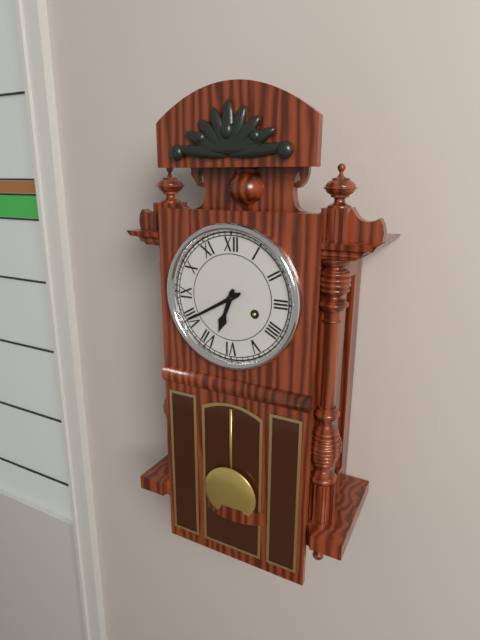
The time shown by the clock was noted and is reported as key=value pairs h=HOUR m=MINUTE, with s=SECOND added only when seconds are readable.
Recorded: h=6 m=40
